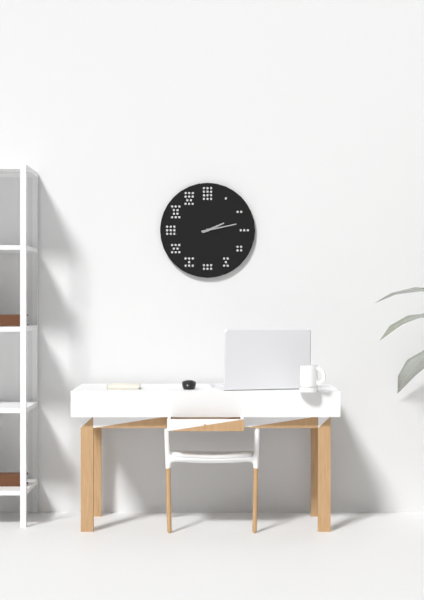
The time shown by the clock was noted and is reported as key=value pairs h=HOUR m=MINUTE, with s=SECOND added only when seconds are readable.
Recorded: h=2 m=13
